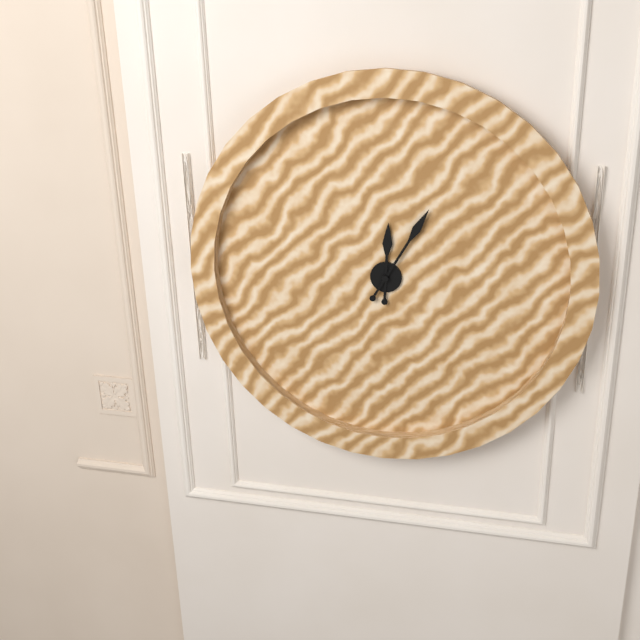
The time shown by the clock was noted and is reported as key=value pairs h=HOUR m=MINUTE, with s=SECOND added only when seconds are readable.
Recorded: h=12 m=5
